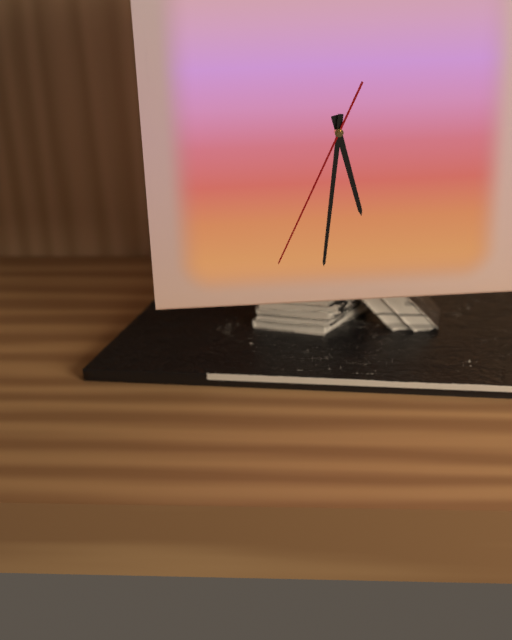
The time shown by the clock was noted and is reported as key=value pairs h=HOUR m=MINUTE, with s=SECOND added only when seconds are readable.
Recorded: h=5 m=31 s=34
